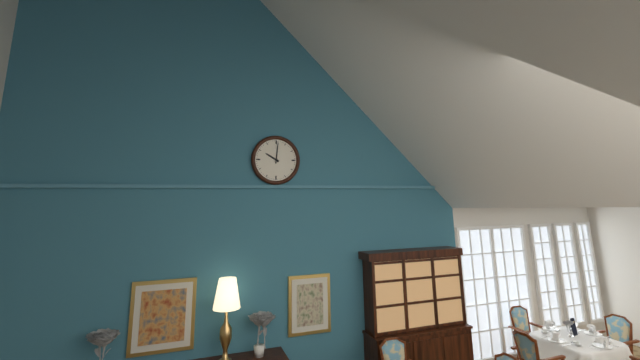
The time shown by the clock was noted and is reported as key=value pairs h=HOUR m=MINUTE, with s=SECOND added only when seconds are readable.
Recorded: h=10 m=1
